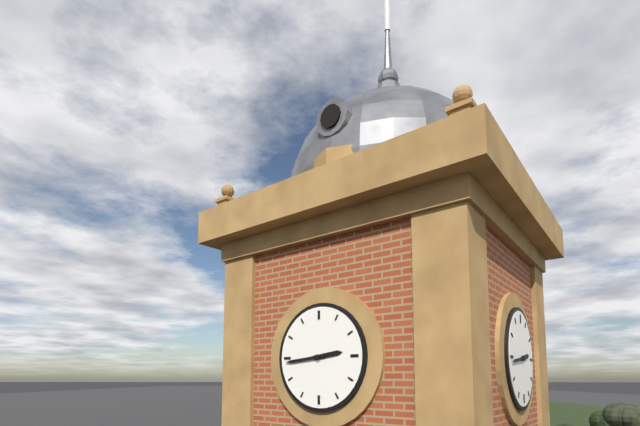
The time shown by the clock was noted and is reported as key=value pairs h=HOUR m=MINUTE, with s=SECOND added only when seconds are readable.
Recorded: h=2 m=44
